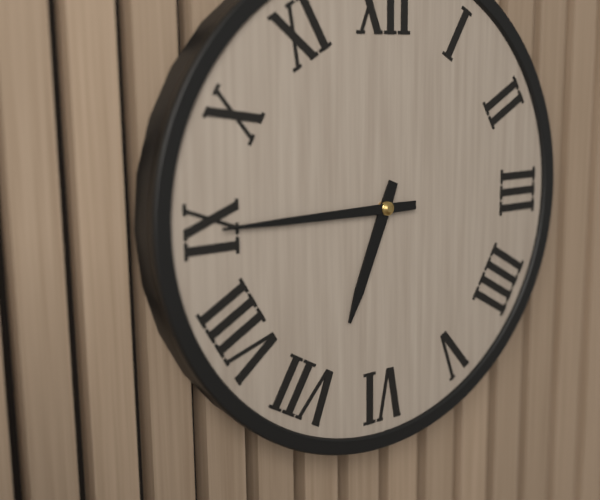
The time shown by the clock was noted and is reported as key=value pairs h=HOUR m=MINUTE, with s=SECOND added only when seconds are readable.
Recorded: h=6 m=45
